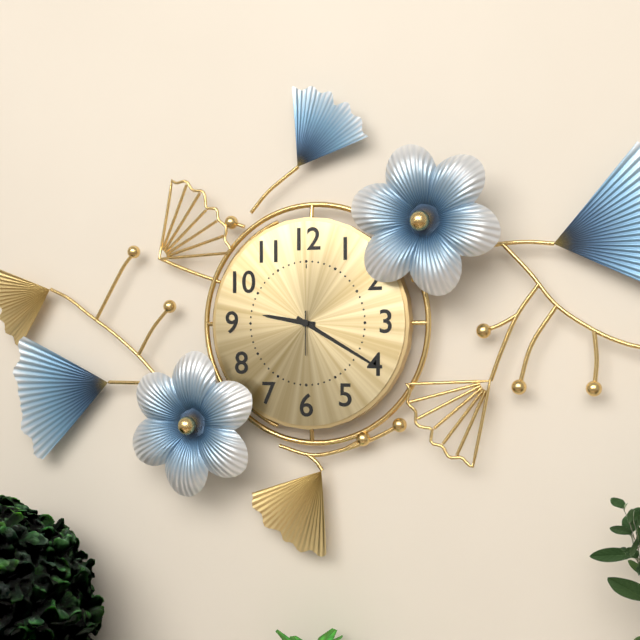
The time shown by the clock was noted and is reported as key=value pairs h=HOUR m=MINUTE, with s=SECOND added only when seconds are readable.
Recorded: h=9 m=20
